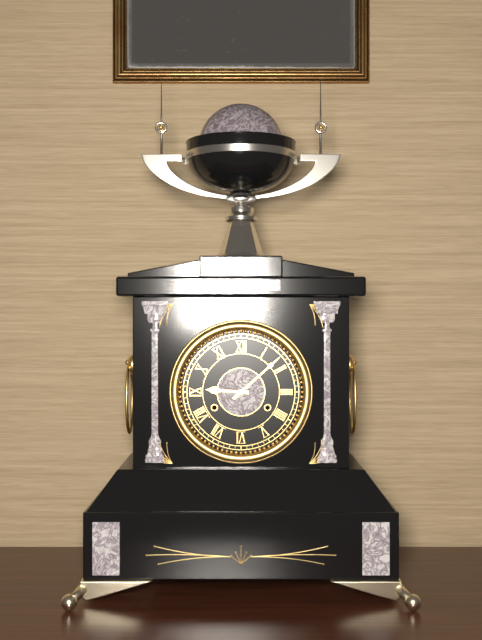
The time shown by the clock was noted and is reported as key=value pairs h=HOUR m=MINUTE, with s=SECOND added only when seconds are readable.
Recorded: h=9 m=8
